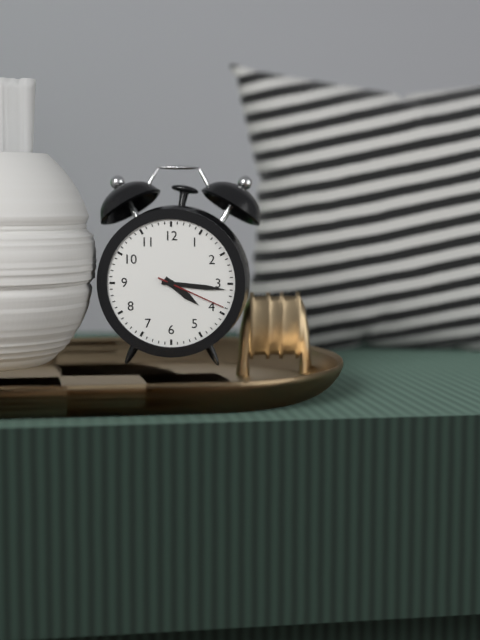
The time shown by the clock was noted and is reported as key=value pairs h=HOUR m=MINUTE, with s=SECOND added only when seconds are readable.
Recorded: h=4 m=16 s=19
